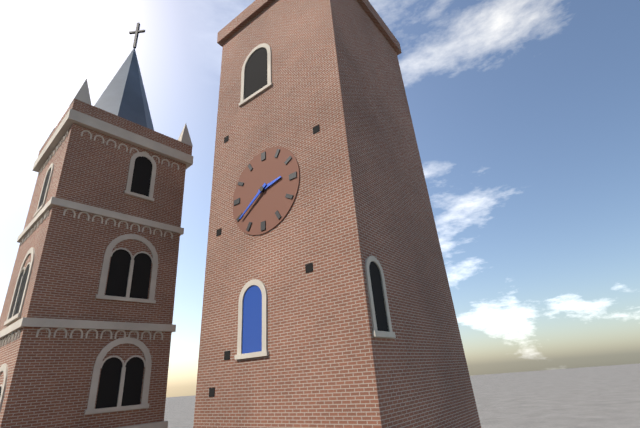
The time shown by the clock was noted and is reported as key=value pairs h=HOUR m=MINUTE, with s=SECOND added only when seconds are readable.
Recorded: h=2 m=39
